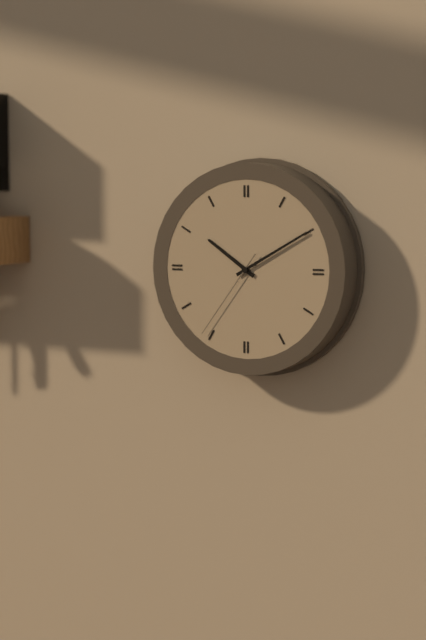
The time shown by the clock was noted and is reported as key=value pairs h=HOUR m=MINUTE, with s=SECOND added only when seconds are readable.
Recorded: h=10 m=10 s=36
